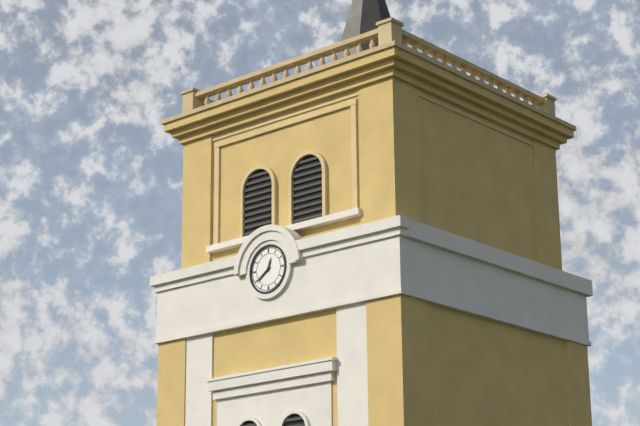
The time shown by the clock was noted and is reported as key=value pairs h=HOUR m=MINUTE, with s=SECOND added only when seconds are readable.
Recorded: h=12 m=39
